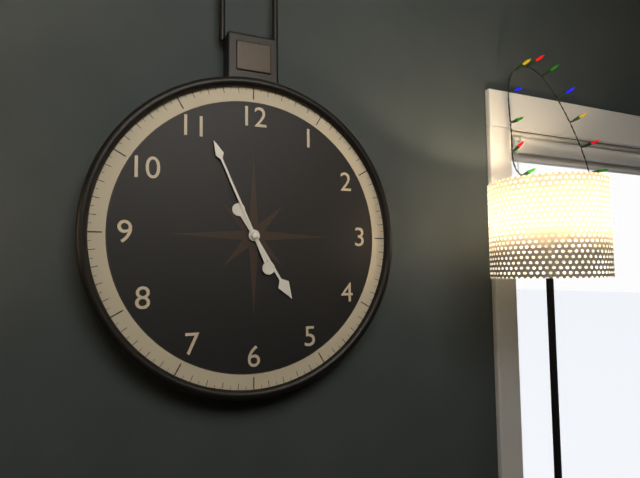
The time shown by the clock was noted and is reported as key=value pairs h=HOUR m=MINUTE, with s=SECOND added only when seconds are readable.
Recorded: h=4 m=56
